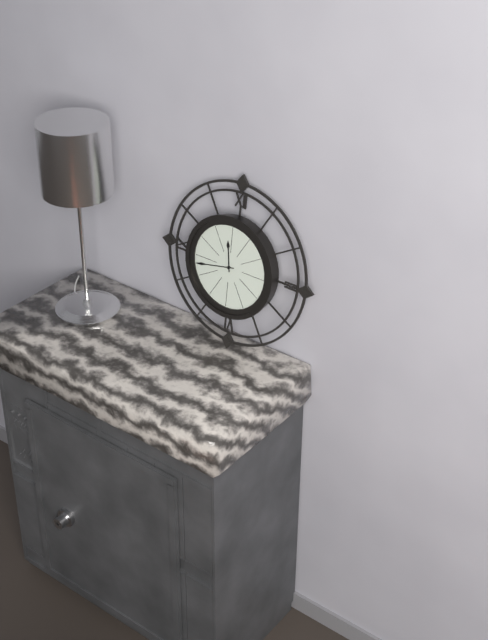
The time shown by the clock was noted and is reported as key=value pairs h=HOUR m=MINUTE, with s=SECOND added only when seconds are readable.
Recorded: h=11 m=43
